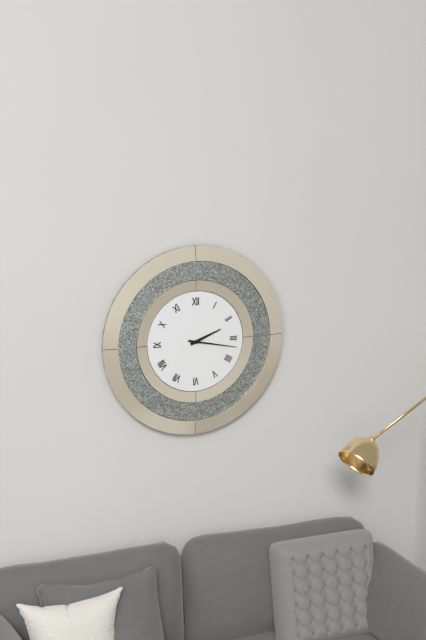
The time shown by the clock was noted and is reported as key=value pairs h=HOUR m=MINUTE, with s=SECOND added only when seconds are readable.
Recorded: h=2 m=17
